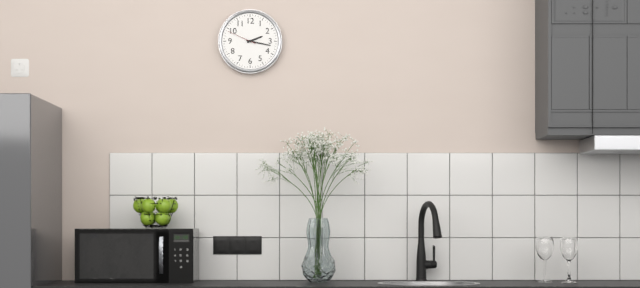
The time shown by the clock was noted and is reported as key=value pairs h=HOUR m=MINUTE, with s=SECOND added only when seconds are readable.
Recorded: h=2 m=17
